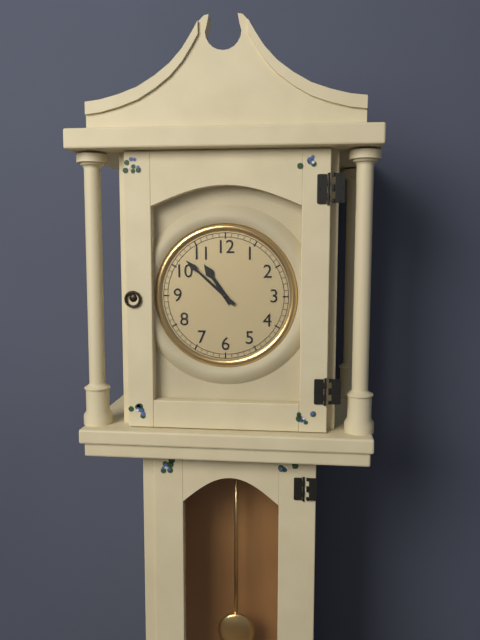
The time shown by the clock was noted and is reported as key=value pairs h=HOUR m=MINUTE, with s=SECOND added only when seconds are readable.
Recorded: h=10 m=52
